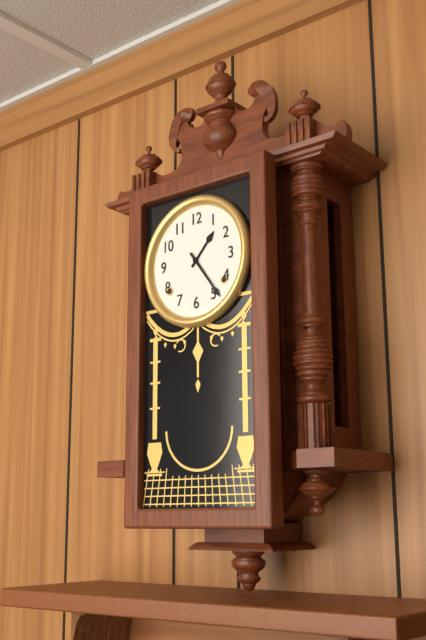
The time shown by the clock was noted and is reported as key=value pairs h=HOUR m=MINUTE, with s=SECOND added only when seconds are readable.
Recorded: h=1 m=24
